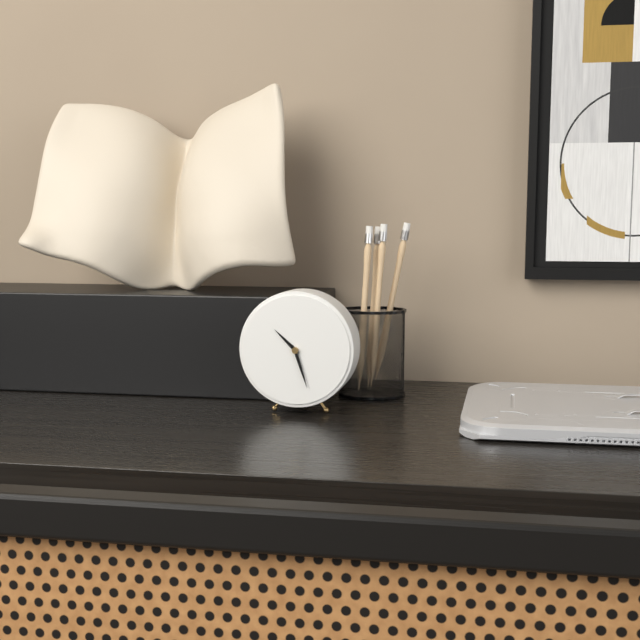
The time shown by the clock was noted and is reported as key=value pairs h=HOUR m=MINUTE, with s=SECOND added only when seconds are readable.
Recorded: h=10 m=27
